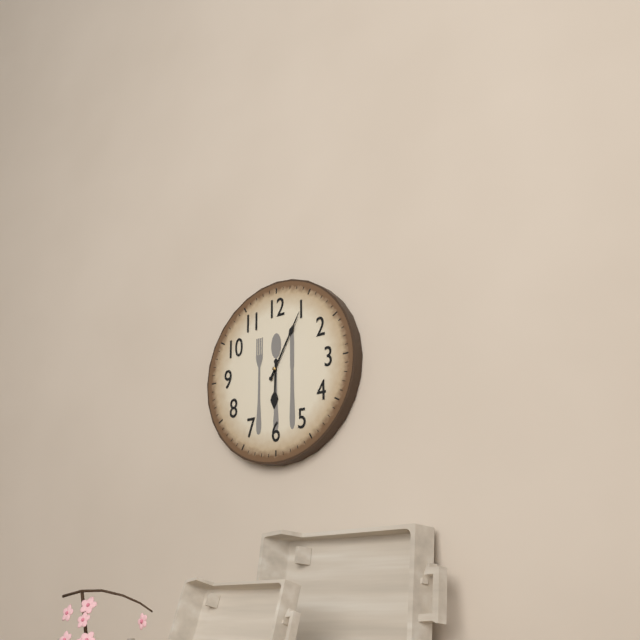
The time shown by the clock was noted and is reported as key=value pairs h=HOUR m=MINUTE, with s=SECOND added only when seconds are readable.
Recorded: h=6 m=5
